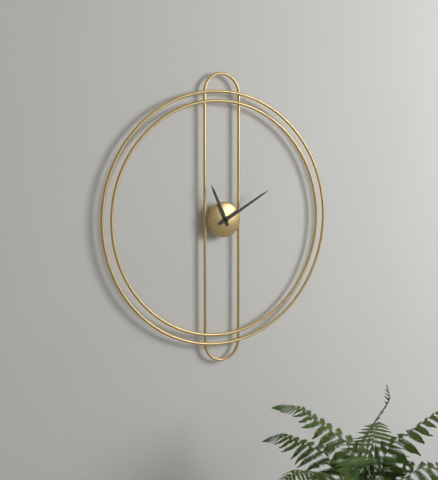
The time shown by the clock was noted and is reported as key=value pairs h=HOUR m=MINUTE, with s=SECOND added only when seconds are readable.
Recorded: h=11 m=10
